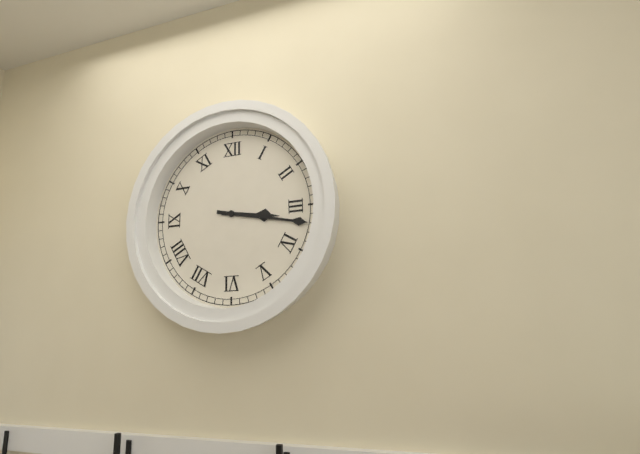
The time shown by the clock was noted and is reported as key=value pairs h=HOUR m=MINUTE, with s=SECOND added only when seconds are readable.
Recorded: h=3 m=17
